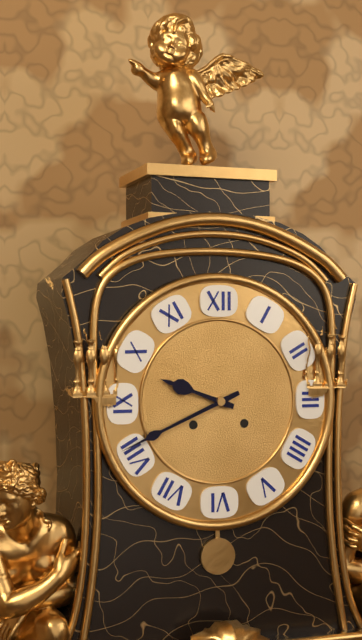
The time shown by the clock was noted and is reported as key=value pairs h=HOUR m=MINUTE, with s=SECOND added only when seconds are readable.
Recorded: h=9 m=41
